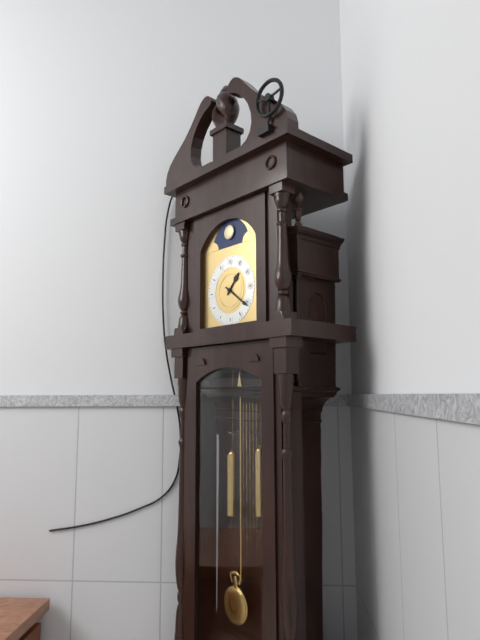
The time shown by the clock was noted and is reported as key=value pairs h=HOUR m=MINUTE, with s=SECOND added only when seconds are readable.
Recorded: h=1 m=21
